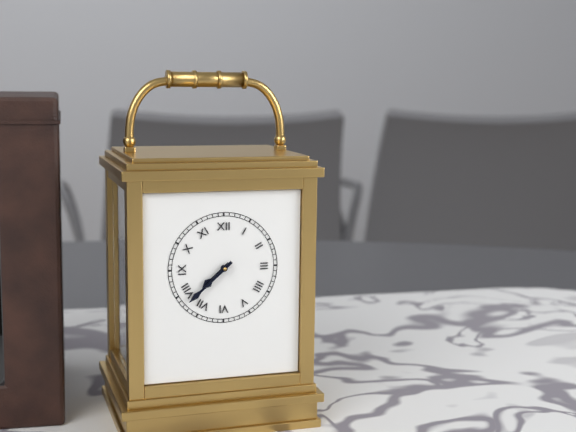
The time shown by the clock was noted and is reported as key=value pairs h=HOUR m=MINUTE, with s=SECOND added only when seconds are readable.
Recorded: h=7 m=38
